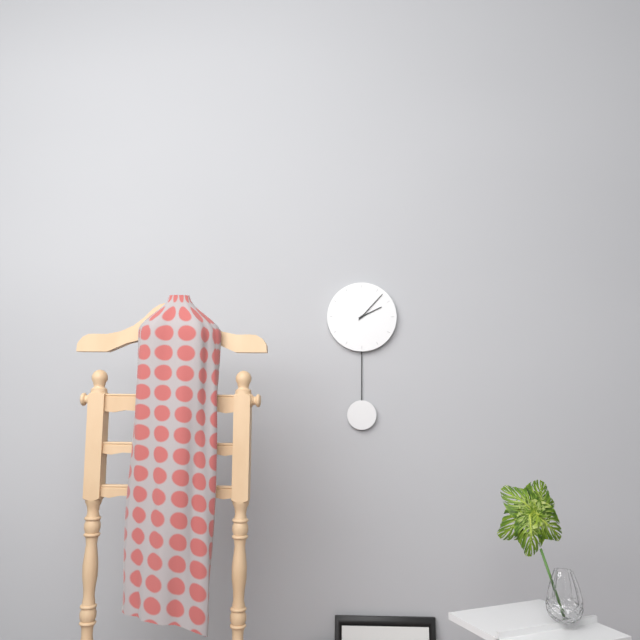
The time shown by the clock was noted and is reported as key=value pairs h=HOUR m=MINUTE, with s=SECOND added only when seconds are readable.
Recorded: h=2 m=7
